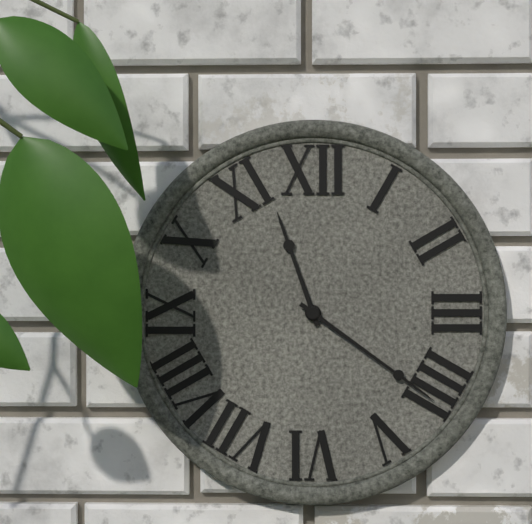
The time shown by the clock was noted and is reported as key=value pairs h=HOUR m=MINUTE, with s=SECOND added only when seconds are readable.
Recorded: h=11 m=21
